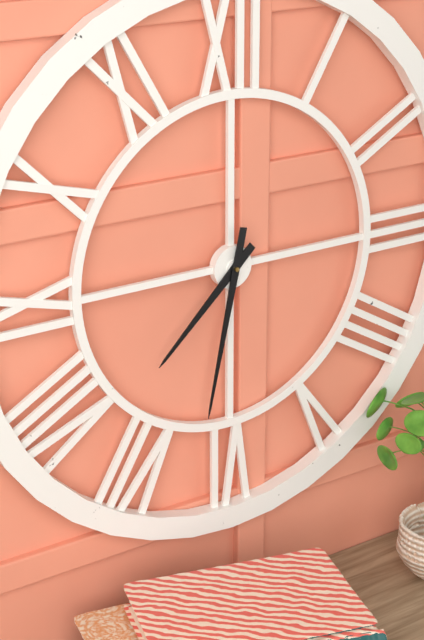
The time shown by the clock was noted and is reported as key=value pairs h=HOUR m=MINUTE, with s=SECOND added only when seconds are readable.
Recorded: h=7 m=32
